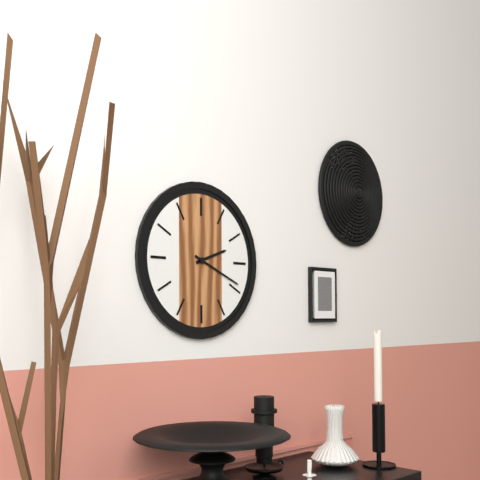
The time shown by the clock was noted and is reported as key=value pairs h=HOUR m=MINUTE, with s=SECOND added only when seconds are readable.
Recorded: h=2 m=19
